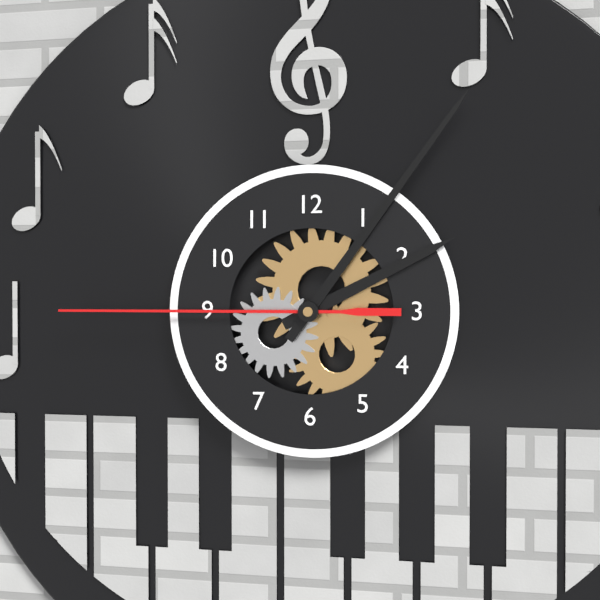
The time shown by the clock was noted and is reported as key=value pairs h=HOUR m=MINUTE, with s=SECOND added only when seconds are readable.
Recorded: h=2 m=6 s=45
